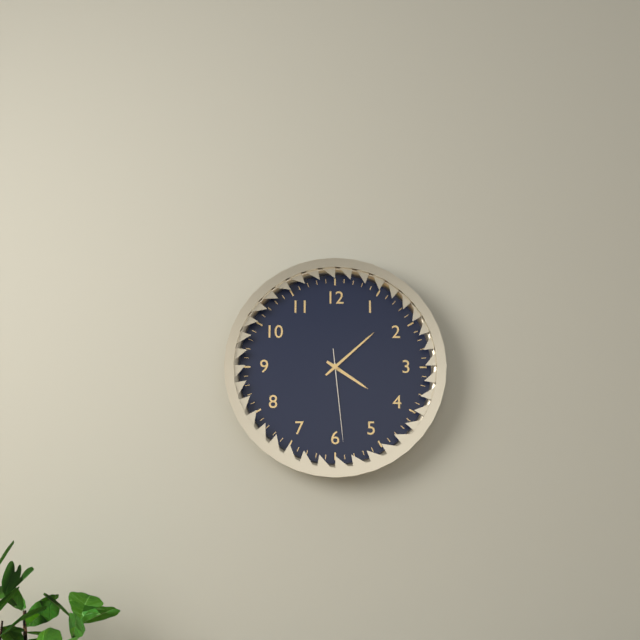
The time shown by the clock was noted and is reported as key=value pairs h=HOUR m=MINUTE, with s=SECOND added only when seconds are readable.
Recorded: h=4 m=8 s=29
